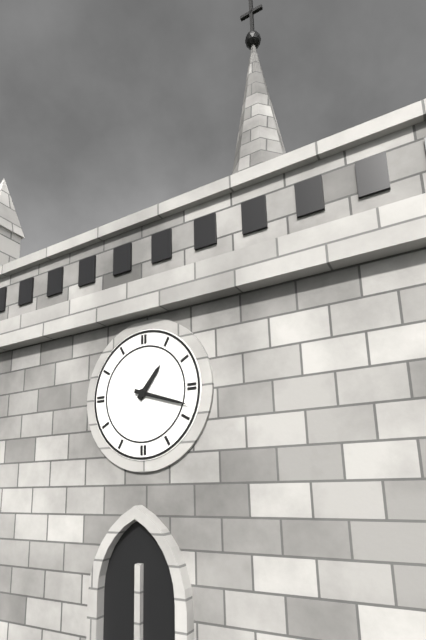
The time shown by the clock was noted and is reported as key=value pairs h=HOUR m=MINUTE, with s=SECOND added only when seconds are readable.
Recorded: h=1 m=18
